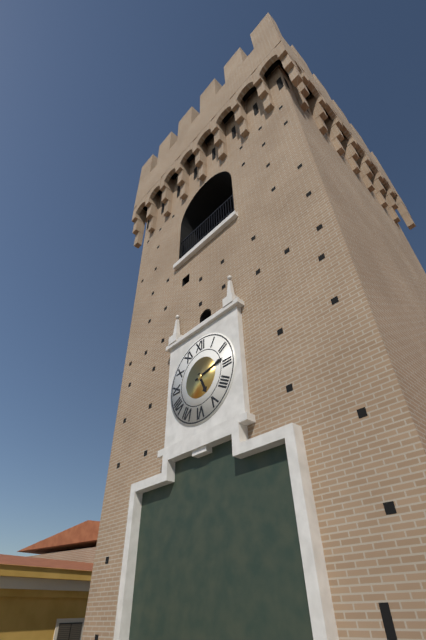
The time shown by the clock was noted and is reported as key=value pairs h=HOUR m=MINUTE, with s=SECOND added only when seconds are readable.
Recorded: h=5 m=13
